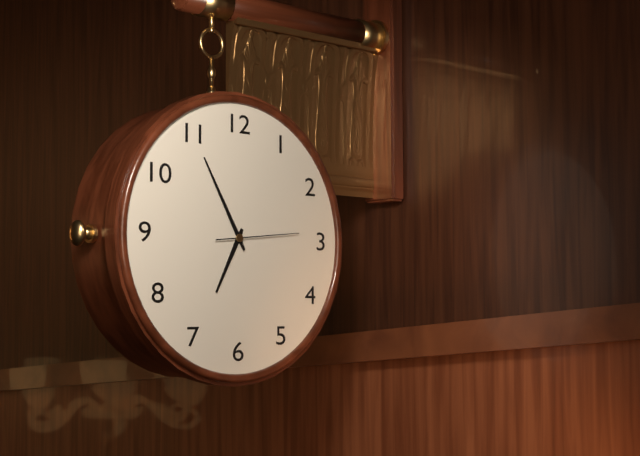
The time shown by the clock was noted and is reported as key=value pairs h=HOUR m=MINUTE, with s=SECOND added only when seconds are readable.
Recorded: h=6 m=55 s=14
